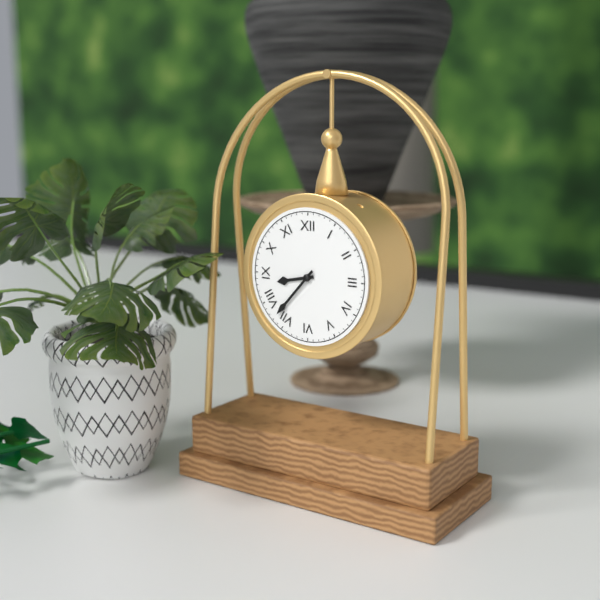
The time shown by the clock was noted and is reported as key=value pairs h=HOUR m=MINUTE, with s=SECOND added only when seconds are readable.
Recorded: h=8 m=37
